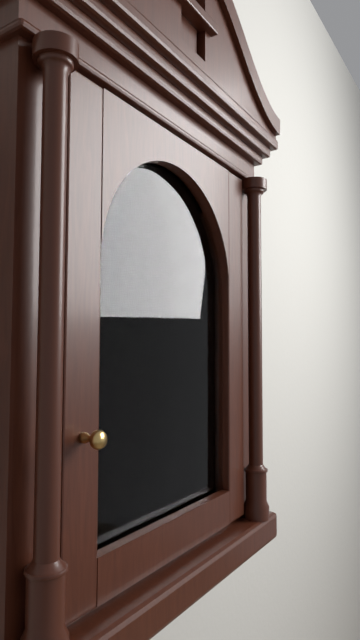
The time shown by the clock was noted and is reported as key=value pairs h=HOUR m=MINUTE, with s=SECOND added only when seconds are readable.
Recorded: h=1 m=31
